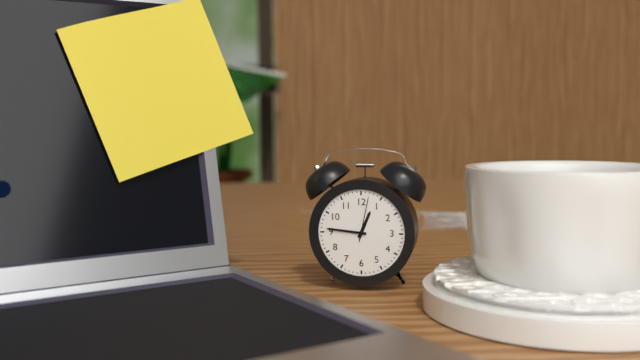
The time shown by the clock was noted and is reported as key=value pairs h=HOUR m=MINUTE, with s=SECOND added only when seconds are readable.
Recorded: h=12 m=46
